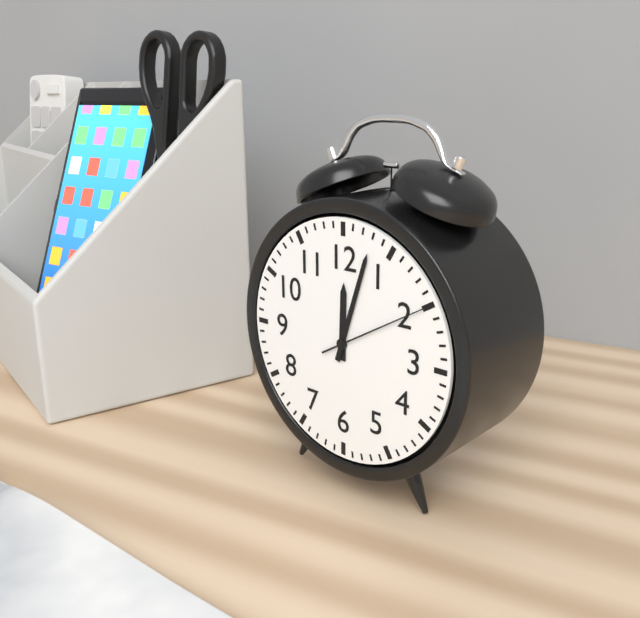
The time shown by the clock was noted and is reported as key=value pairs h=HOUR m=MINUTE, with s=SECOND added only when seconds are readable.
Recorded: h=12 m=3 s=10
